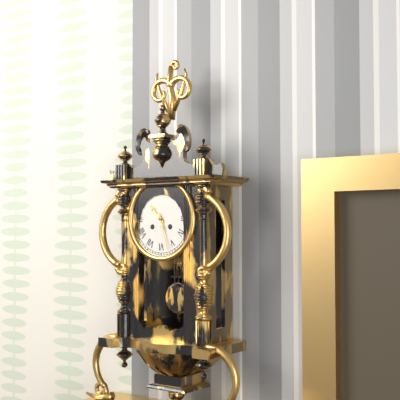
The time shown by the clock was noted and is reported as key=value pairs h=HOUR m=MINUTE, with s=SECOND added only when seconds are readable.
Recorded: h=10 m=27
